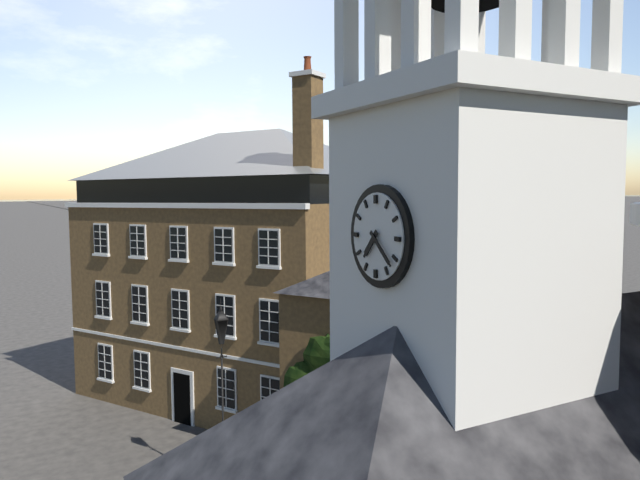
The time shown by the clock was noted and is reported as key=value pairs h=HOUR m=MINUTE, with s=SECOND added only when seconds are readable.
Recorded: h=7 m=22
